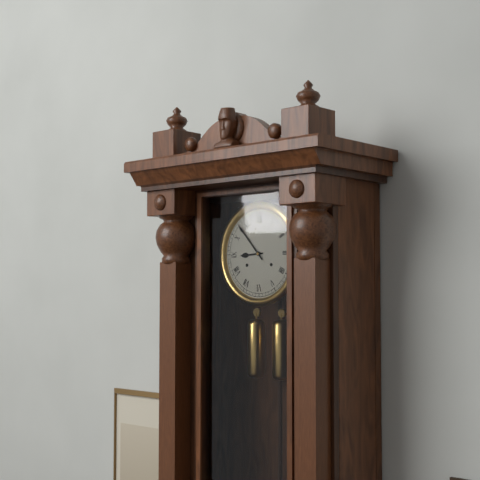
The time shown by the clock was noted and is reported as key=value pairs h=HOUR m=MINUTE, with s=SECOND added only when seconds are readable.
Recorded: h=8 m=53
